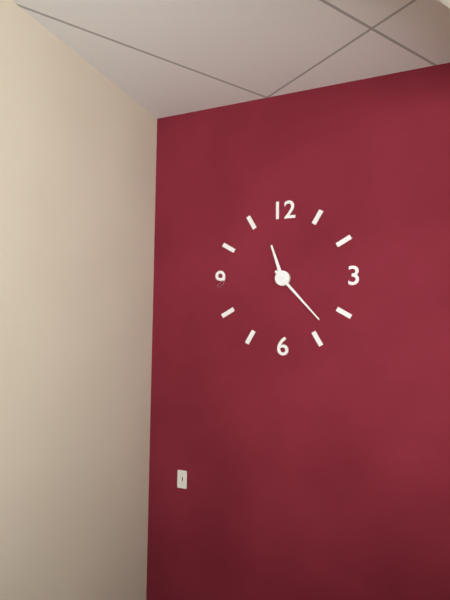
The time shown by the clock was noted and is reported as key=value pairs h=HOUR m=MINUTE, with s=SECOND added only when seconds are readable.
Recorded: h=11 m=23
